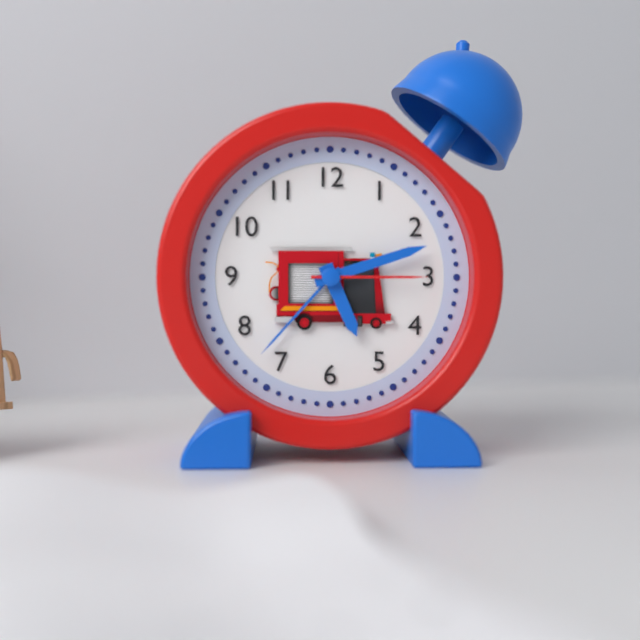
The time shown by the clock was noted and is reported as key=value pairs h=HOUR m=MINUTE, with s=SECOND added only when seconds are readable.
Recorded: h=5 m=12 s=15
